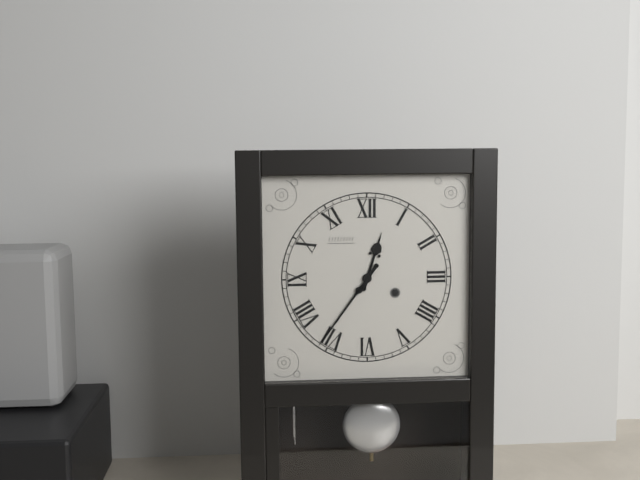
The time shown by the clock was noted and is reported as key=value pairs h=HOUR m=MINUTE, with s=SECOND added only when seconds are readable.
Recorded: h=12 m=36
